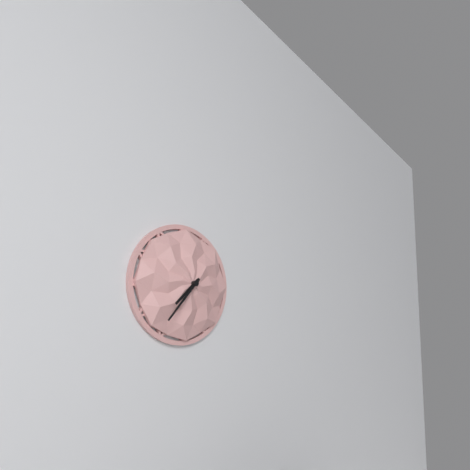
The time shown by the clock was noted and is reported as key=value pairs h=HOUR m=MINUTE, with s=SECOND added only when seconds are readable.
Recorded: h=7 m=37
